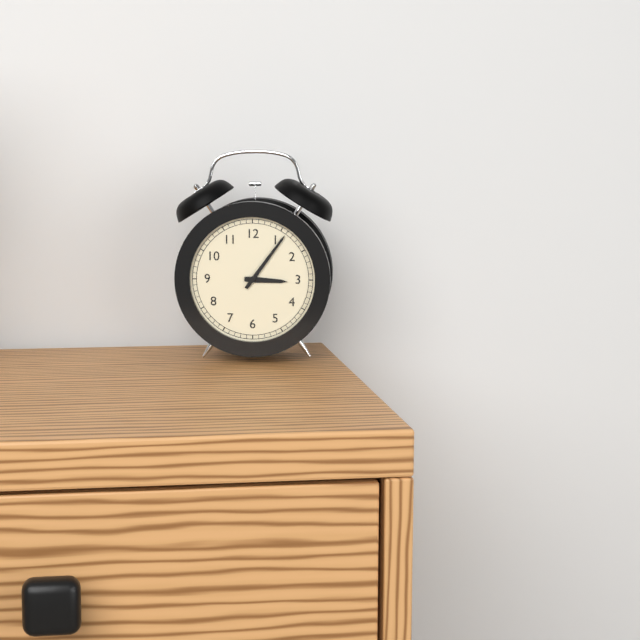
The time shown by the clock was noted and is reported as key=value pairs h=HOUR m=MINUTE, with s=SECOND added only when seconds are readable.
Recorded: h=3 m=6
